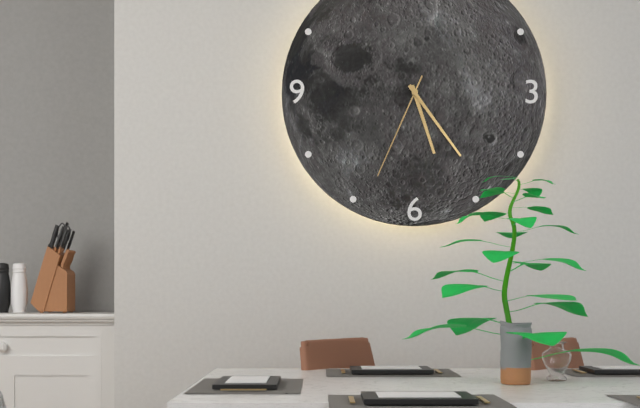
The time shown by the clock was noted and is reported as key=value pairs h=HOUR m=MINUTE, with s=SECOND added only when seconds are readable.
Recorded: h=5 m=24 s=34
